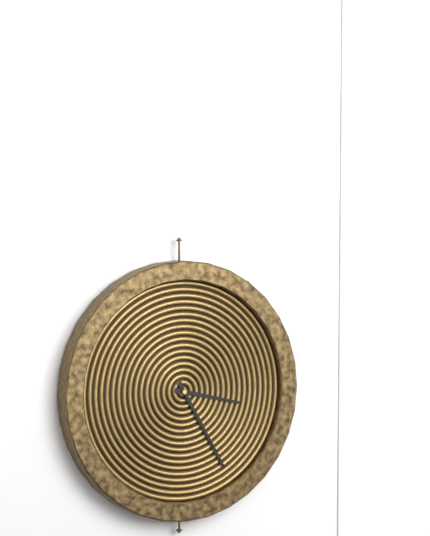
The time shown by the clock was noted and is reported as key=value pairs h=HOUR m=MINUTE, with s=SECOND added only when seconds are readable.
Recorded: h=3 m=25
